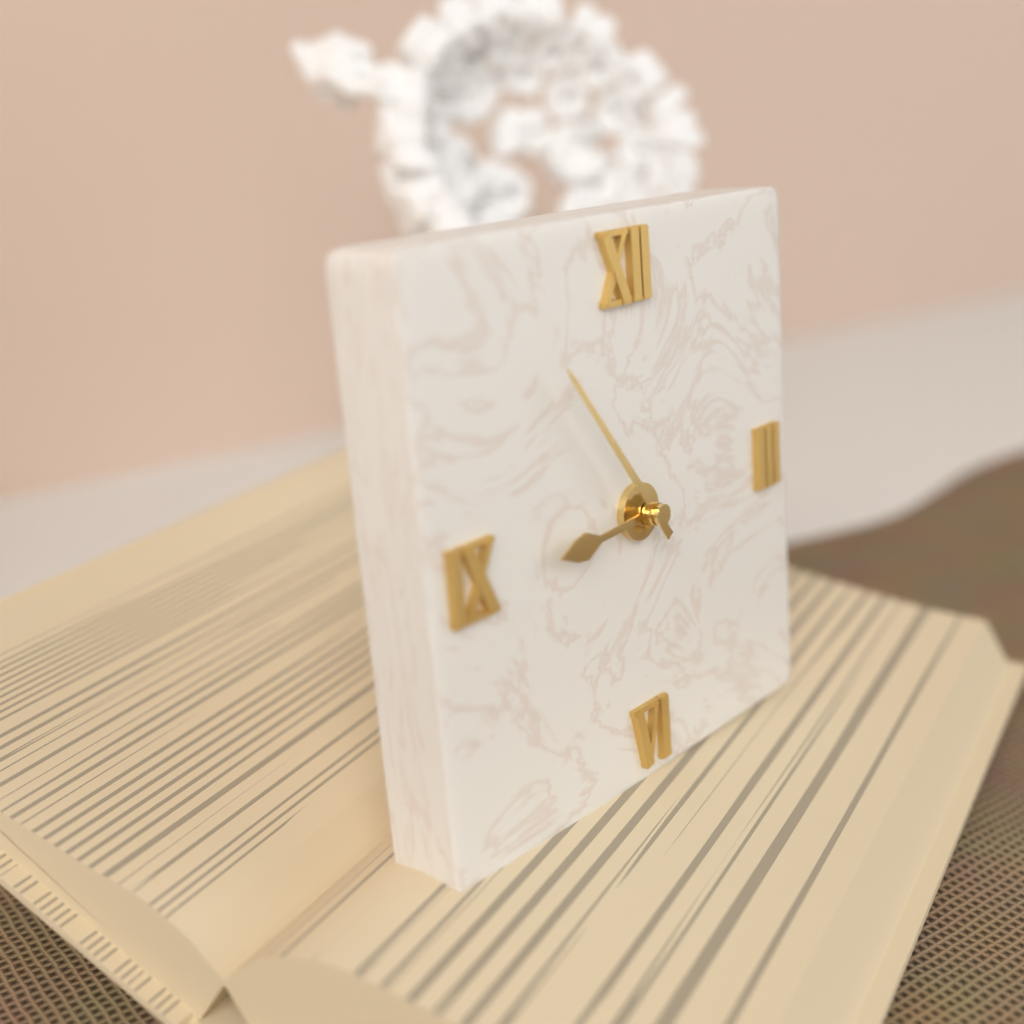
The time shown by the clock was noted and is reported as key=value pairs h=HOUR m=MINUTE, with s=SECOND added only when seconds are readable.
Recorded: h=8 m=54
